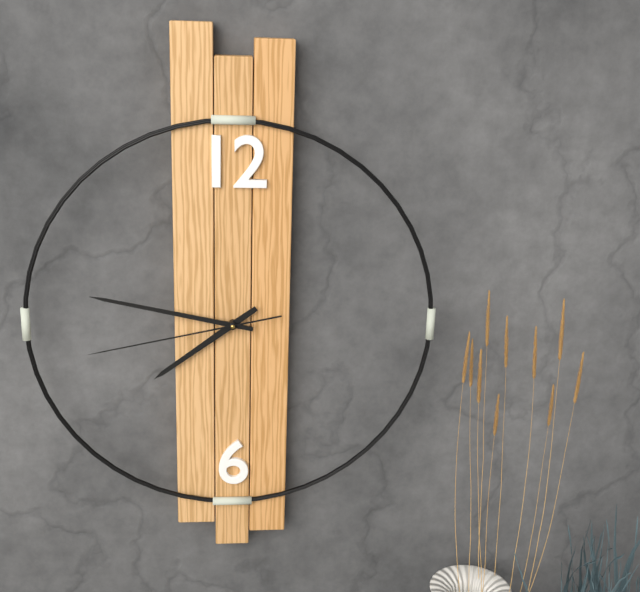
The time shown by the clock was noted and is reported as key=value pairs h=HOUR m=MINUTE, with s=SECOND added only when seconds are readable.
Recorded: h=7 m=47 s=43
